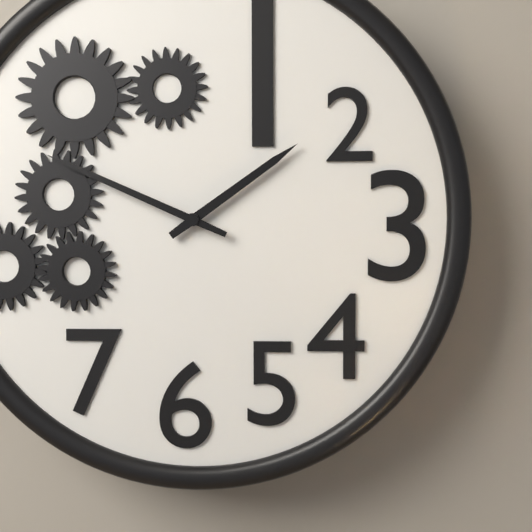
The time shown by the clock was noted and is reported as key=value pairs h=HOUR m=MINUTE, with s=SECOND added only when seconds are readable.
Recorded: h=1 m=49
